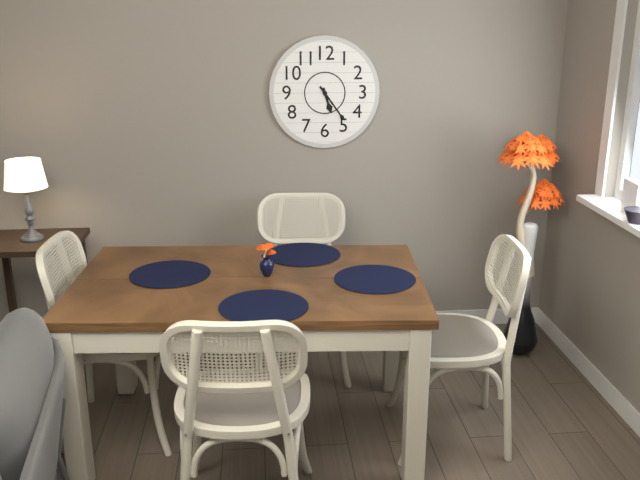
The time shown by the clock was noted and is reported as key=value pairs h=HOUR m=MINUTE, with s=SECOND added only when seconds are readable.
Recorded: h=5 m=24
